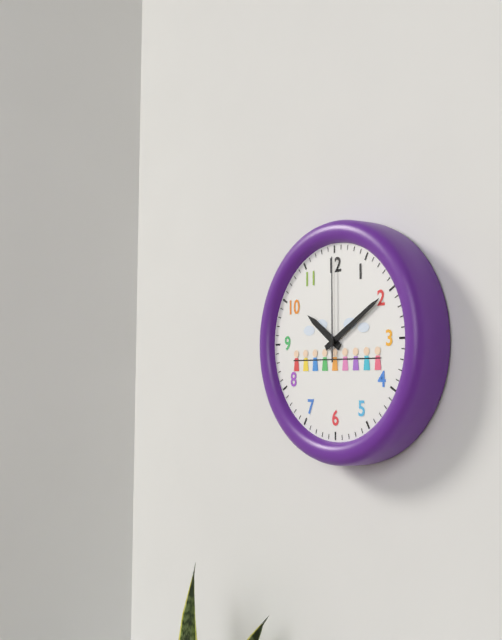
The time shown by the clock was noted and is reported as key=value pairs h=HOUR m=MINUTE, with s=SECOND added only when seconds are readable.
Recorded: h=10 m=10 s=0
